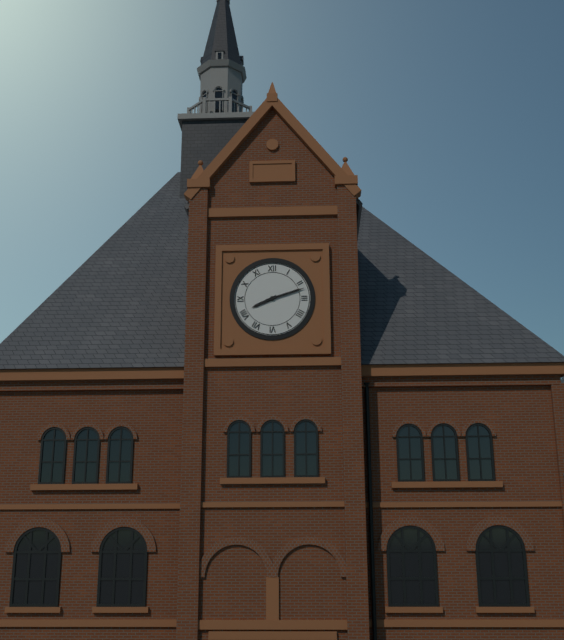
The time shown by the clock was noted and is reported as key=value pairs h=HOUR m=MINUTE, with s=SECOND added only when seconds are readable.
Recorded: h=8 m=12
